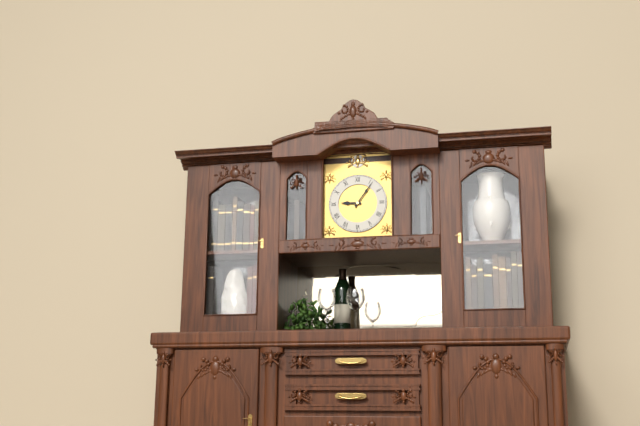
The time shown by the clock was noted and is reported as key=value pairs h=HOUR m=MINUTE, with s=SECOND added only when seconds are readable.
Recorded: h=9 m=6
